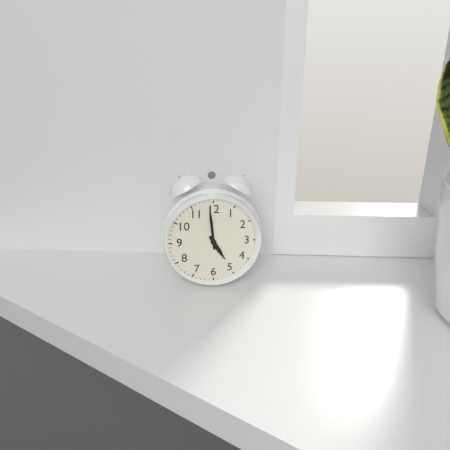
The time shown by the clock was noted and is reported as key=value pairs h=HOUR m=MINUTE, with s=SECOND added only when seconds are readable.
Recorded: h=4 m=59
